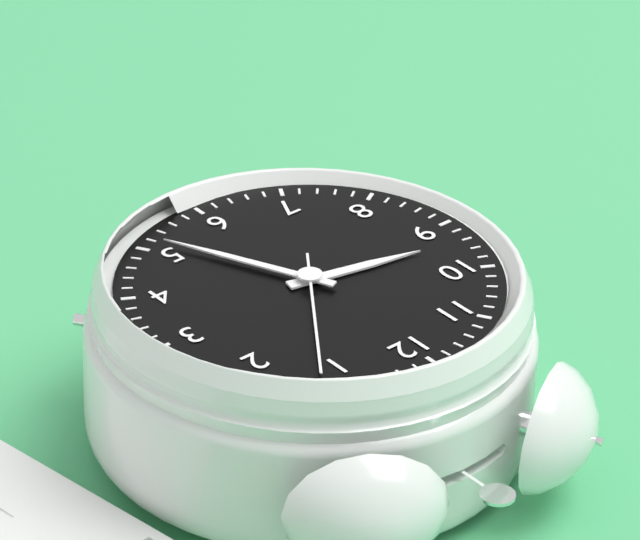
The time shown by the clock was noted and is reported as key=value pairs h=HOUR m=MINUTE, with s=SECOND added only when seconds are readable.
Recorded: h=9 m=26 s=6
